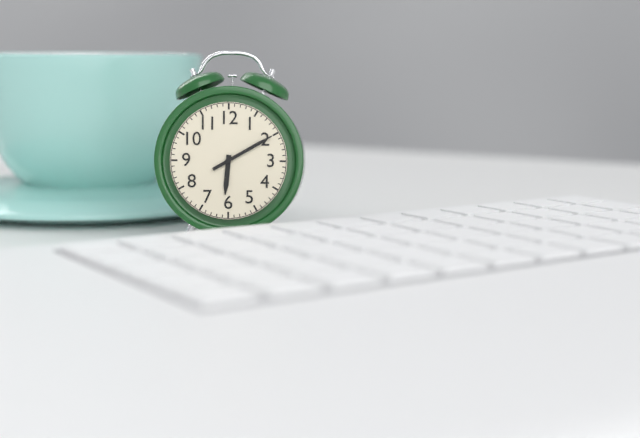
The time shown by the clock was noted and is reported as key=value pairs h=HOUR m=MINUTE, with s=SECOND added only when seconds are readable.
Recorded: h=6 m=10
